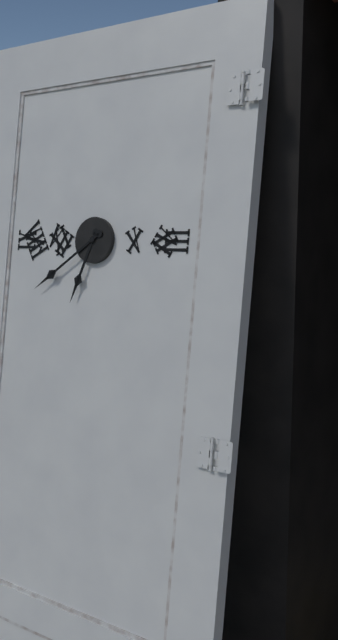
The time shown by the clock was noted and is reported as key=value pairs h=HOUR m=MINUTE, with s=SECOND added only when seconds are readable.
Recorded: h=6 m=39
